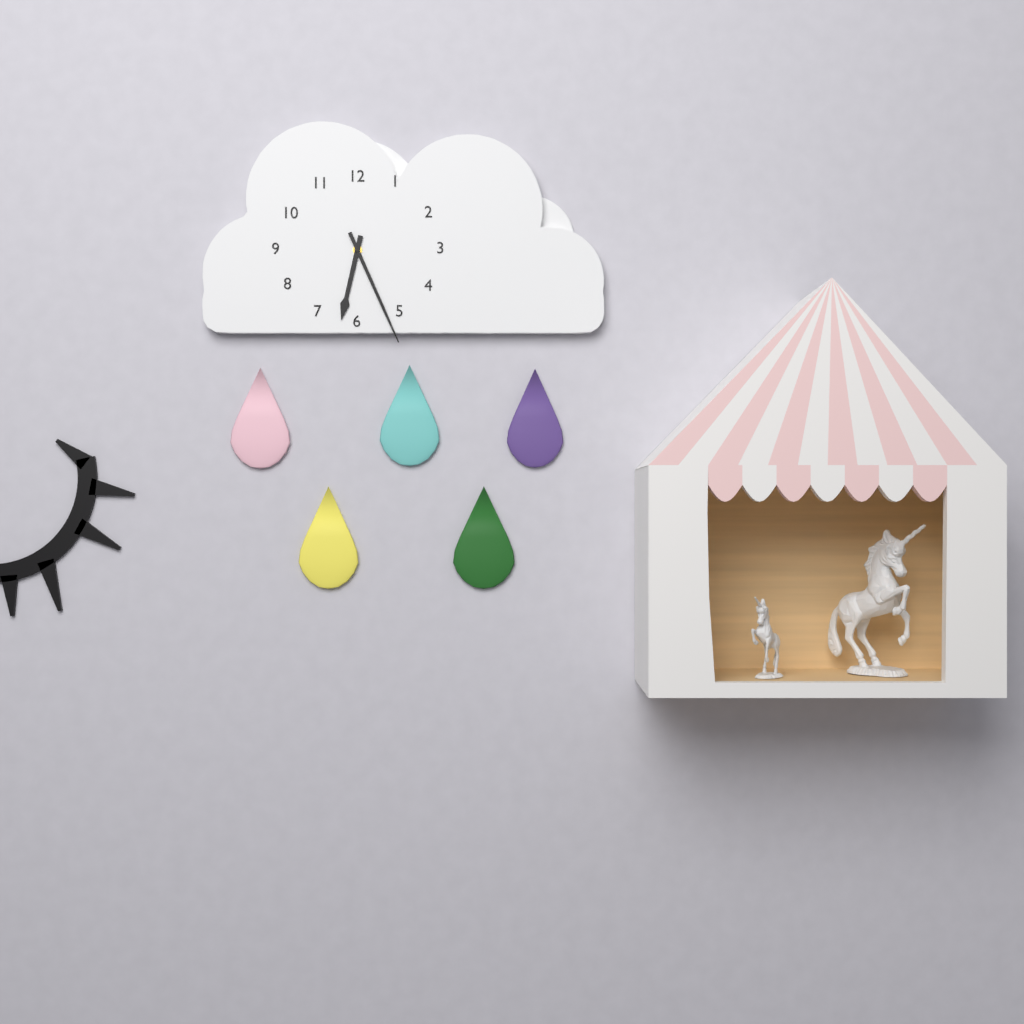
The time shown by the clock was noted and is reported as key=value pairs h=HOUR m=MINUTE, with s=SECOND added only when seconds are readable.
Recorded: h=6 m=26
